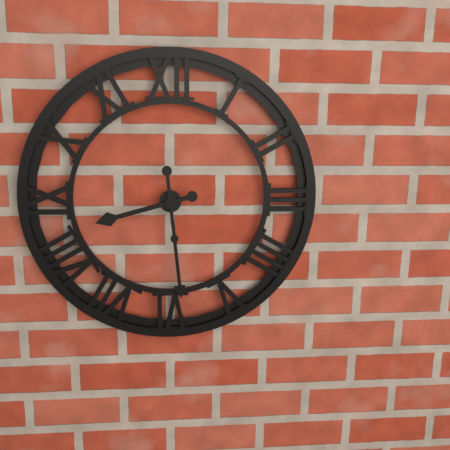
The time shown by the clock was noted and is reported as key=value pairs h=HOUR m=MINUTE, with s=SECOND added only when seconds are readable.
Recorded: h=8 m=29
